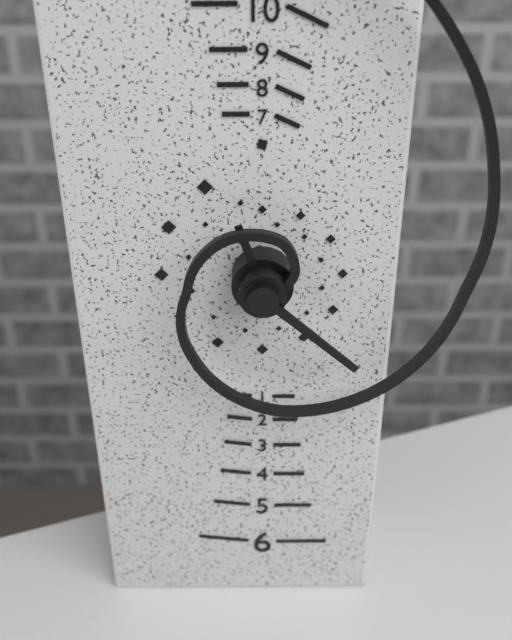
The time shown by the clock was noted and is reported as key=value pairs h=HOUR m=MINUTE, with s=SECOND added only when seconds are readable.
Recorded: h=11 m=22
